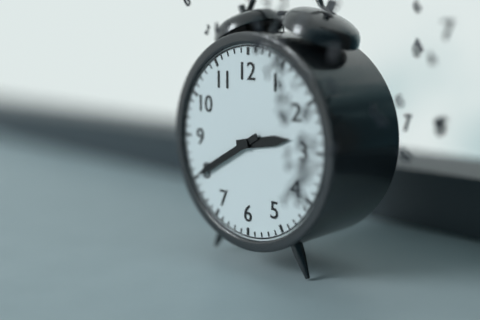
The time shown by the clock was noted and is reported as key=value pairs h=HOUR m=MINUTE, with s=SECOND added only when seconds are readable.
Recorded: h=2 m=40
